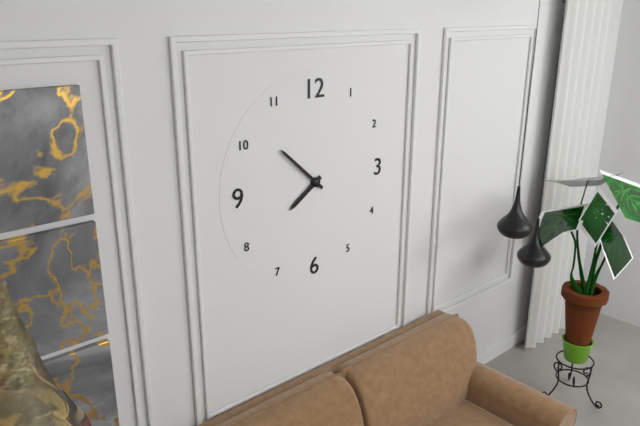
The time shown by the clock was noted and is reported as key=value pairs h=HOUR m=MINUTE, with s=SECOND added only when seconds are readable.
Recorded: h=7 m=52
